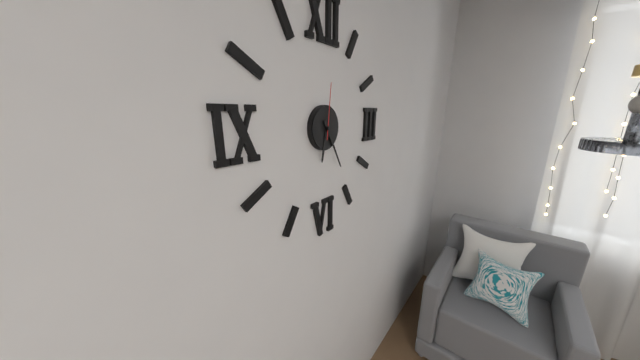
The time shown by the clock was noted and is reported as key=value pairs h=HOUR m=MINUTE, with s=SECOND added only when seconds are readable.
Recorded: h=6 m=25 s=1
